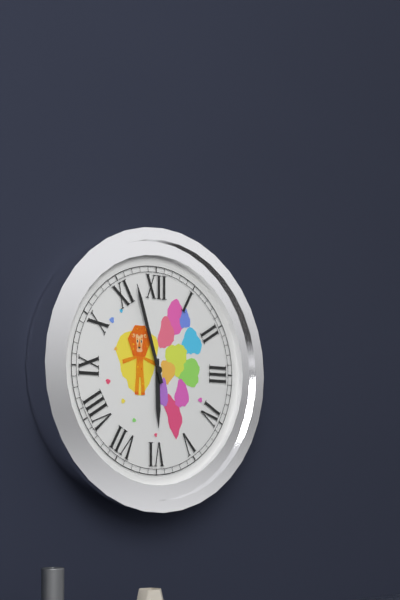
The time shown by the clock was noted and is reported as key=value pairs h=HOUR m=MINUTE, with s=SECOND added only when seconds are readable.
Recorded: h=5 m=57
